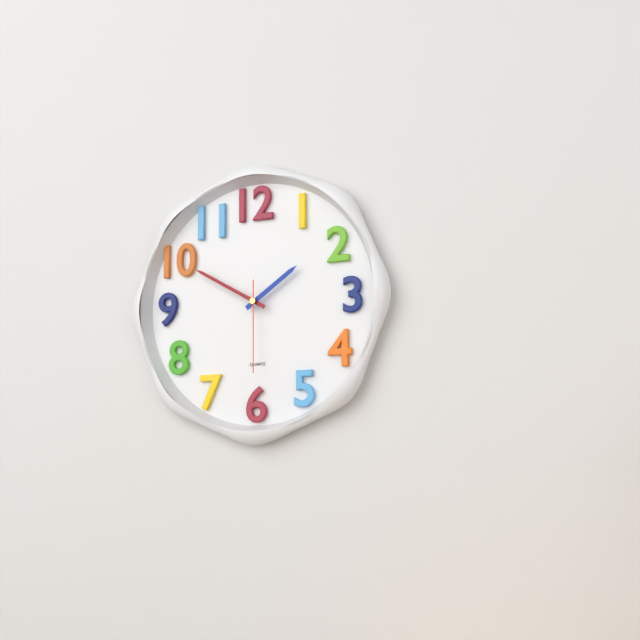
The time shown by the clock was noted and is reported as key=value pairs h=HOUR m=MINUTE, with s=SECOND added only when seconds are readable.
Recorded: h=1 m=50 s=30
